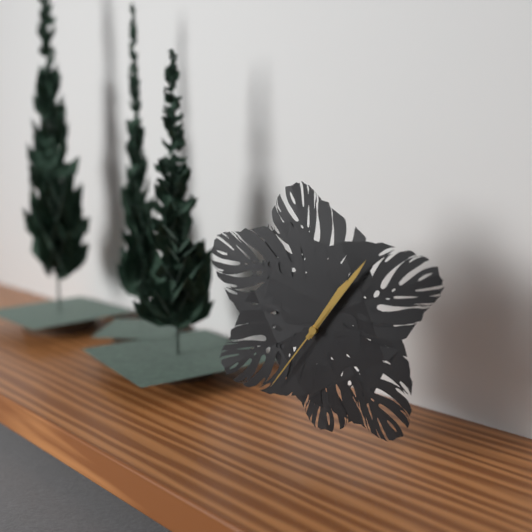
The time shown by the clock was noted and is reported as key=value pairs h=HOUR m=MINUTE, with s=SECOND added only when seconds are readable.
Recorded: h=1 m=6 s=36
